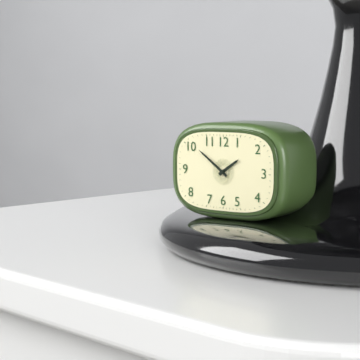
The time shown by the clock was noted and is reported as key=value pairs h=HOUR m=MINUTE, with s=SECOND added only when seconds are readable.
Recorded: h=1 m=51
